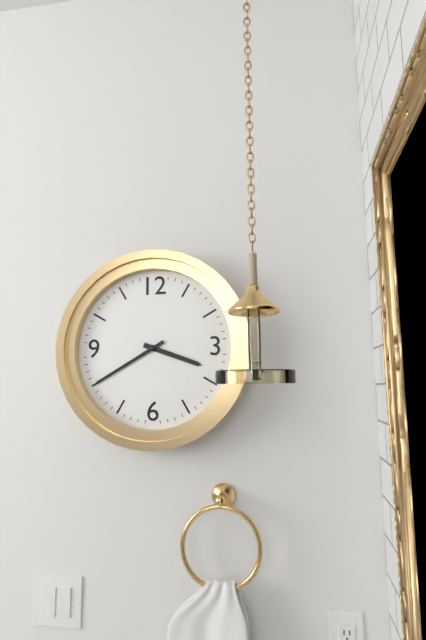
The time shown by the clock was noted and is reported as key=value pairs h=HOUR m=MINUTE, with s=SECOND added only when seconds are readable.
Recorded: h=3 m=40
